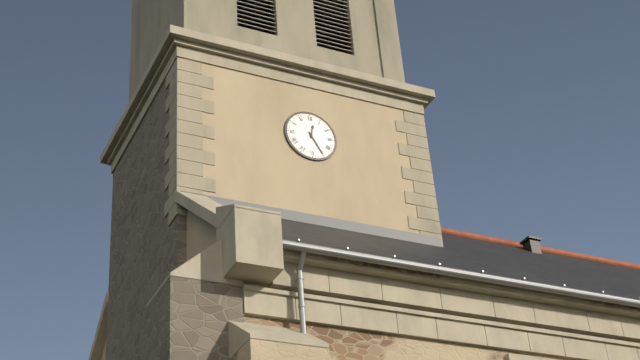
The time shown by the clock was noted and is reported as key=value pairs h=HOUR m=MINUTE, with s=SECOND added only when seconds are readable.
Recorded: h=12 m=25
